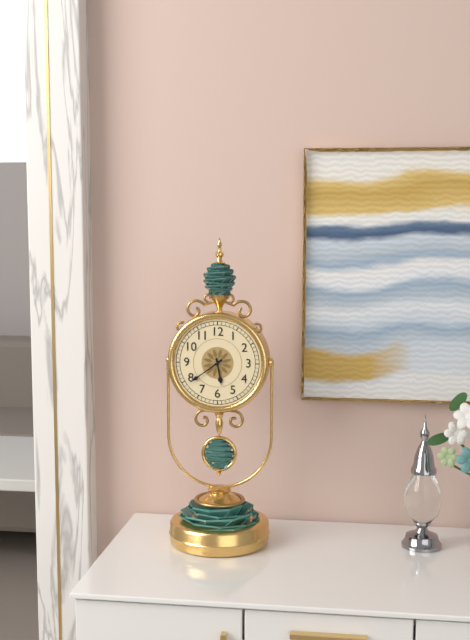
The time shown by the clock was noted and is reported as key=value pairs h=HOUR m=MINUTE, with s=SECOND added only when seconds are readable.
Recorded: h=5 m=39
